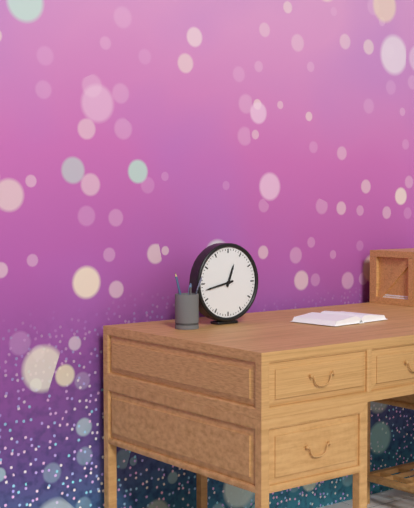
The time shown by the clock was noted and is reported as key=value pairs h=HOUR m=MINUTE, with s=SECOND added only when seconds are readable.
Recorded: h=12 m=43
